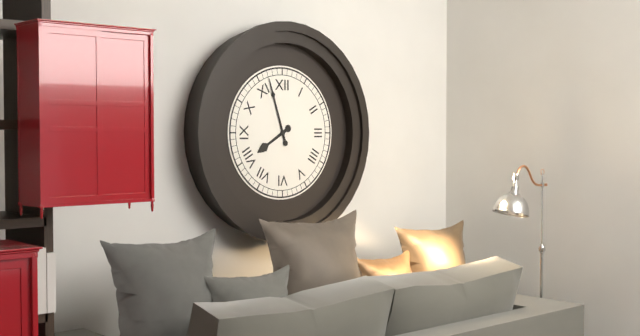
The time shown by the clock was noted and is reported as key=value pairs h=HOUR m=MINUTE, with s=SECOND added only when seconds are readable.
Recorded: h=7 m=57
